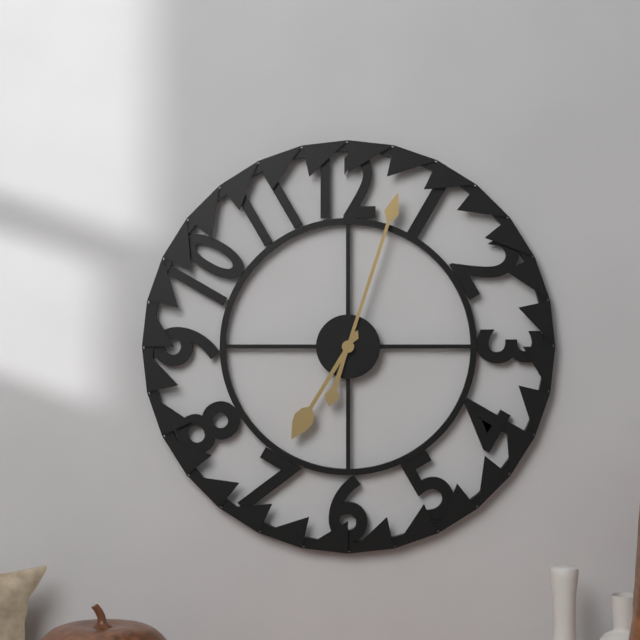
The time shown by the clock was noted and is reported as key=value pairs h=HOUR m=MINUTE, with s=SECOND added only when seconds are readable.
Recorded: h=7 m=3
